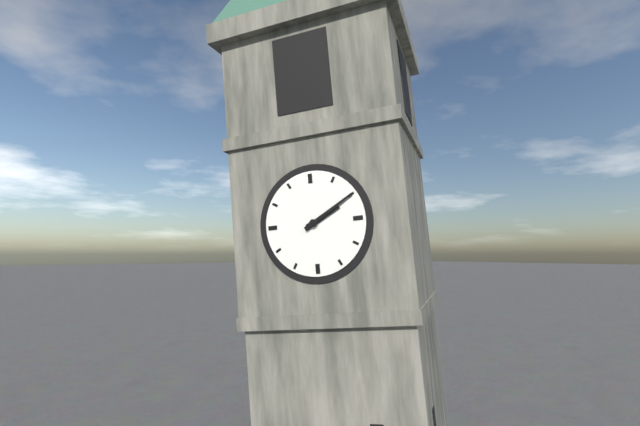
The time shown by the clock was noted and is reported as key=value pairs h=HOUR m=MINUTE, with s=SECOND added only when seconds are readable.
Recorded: h=2 m=10
